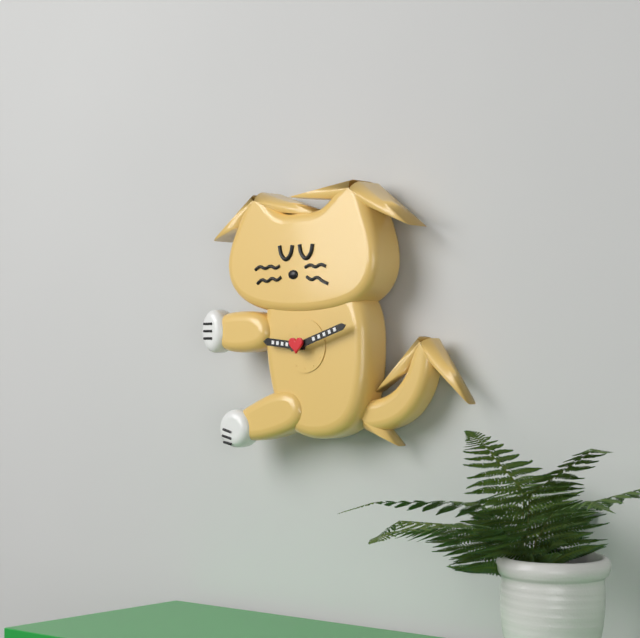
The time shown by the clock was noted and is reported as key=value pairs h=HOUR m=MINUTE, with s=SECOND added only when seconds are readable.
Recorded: h=9 m=12
